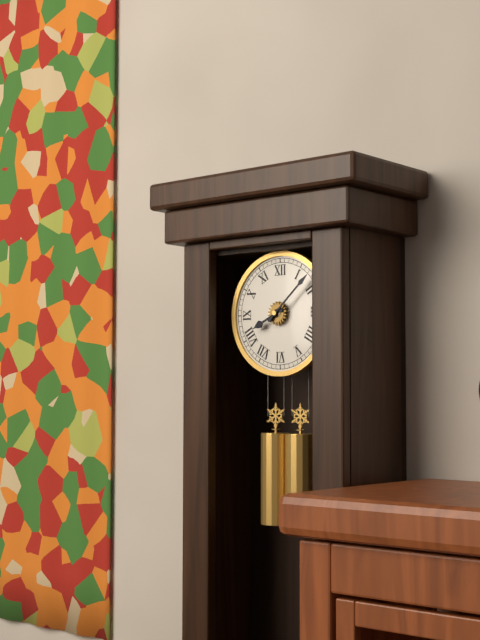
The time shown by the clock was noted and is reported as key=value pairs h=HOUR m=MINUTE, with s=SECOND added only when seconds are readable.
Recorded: h=8 m=8
